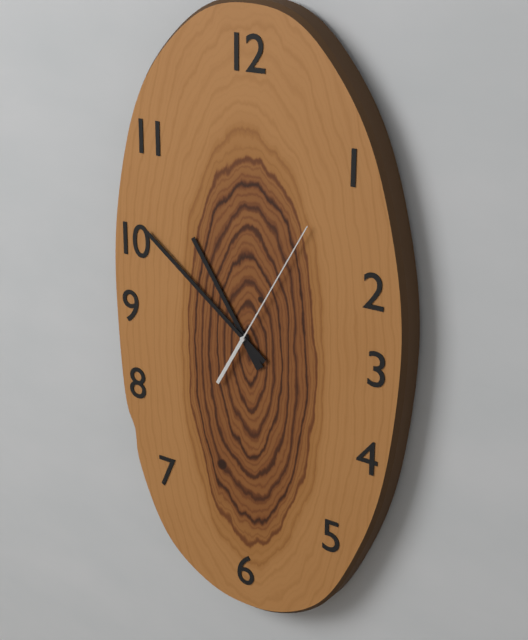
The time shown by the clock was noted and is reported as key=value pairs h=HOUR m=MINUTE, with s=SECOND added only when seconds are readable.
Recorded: h=10 m=51 s=5
